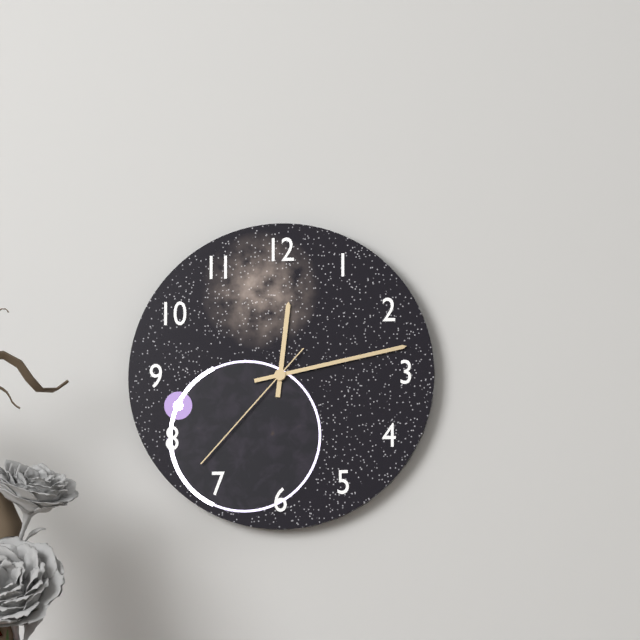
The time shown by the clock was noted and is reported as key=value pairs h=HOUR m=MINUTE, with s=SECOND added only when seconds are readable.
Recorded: h=12 m=13 s=37
